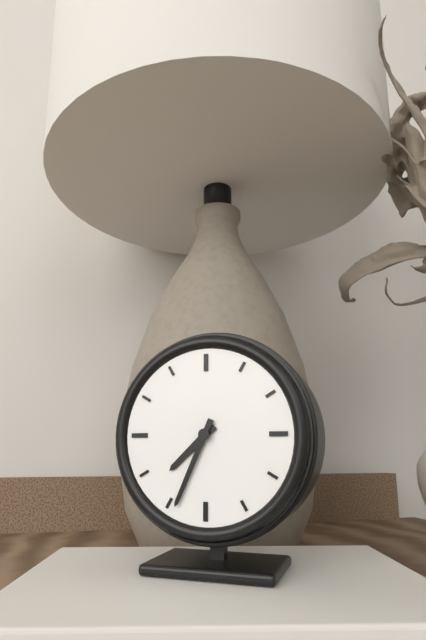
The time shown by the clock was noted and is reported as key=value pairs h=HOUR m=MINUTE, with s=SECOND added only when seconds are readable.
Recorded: h=7 m=34
